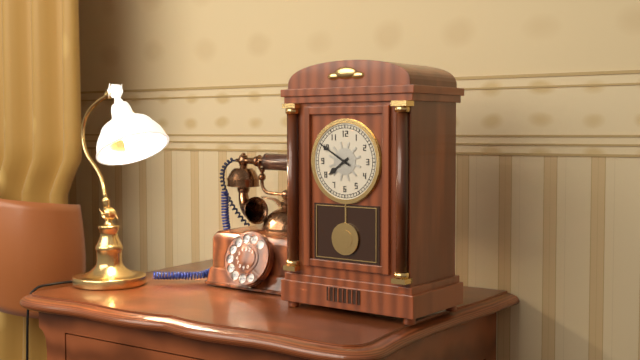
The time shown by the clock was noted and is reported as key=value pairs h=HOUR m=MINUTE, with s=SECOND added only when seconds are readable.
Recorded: h=7 m=50
